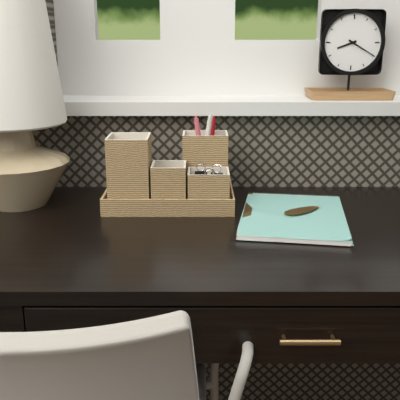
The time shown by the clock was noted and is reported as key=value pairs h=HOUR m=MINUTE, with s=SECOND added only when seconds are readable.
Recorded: h=8 m=20
